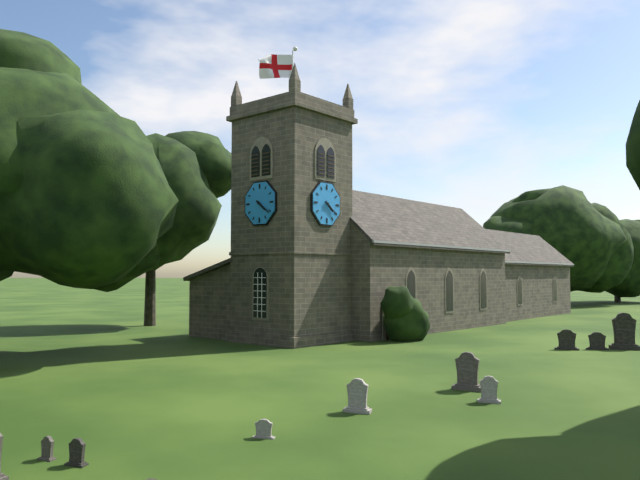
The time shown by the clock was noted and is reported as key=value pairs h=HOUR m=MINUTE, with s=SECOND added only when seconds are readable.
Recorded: h=4 m=21
